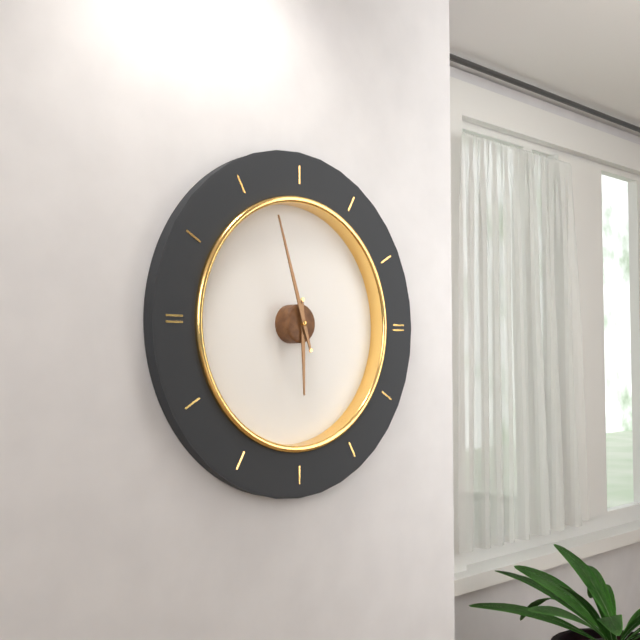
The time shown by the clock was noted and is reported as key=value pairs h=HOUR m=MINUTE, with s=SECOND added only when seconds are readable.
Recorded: h=5 m=57
